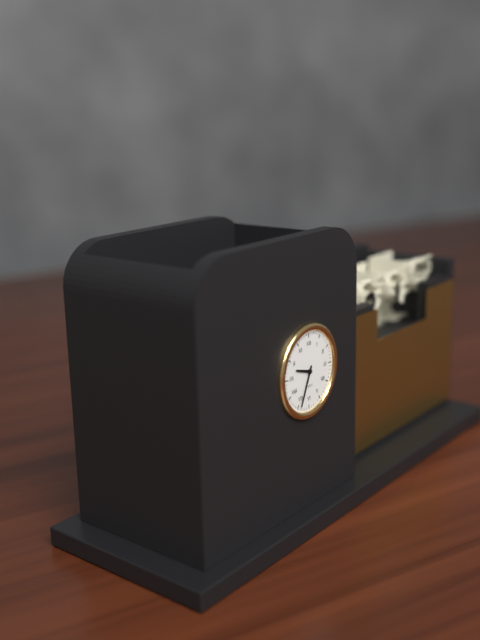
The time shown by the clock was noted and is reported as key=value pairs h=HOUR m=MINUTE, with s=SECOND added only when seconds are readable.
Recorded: h=9 m=34
